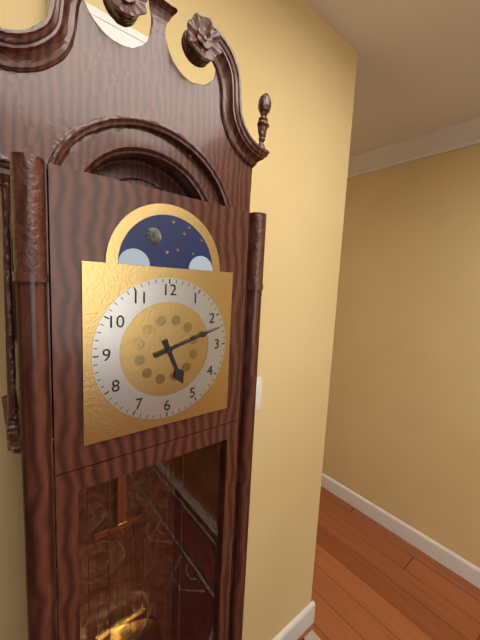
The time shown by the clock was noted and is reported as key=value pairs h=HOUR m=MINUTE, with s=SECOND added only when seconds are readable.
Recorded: h=5 m=12
